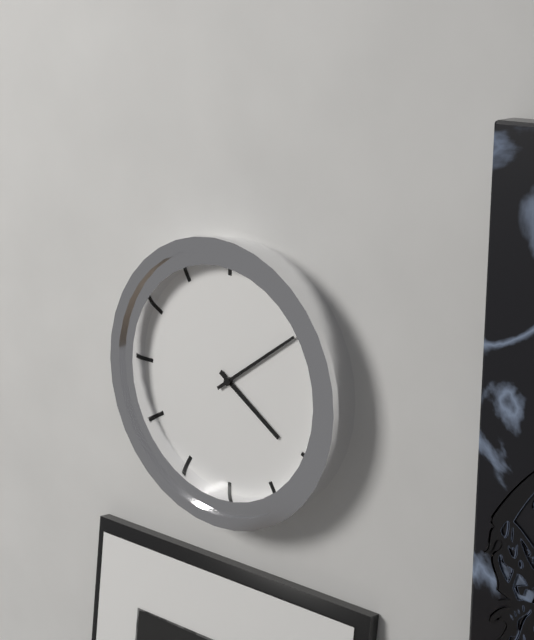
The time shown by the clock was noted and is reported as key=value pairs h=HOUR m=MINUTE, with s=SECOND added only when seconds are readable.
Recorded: h=4 m=9
